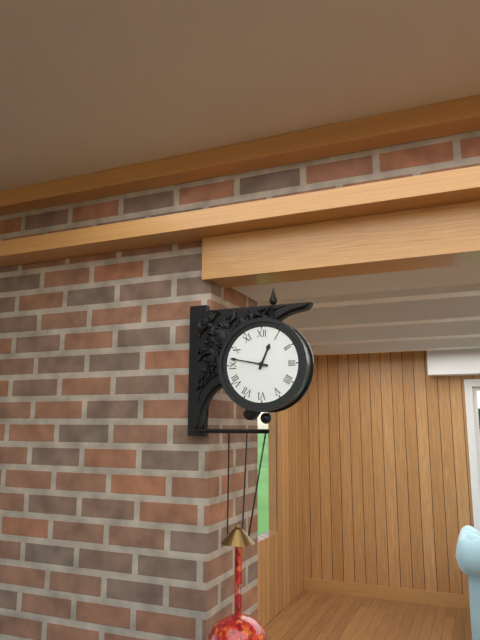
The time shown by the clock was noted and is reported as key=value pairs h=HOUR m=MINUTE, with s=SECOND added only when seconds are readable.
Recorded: h=12 m=47
